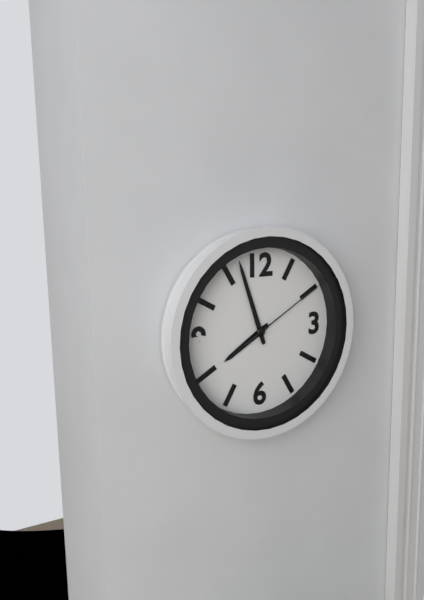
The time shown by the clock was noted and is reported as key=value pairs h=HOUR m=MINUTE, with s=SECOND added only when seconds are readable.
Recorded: h=7 m=57 s=10
